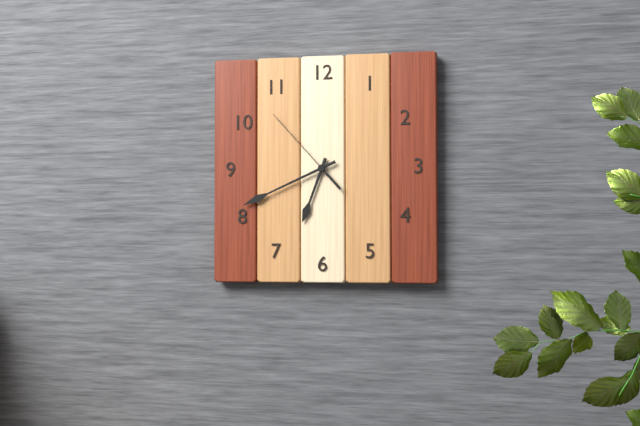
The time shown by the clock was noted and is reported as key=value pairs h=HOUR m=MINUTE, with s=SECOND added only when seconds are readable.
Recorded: h=6 m=41 s=53
